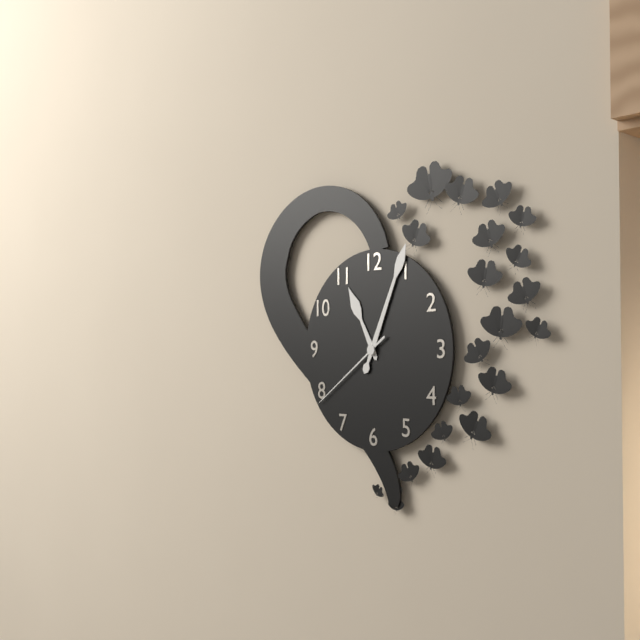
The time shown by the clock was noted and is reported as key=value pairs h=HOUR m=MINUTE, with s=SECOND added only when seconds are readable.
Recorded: h=11 m=4 s=39
